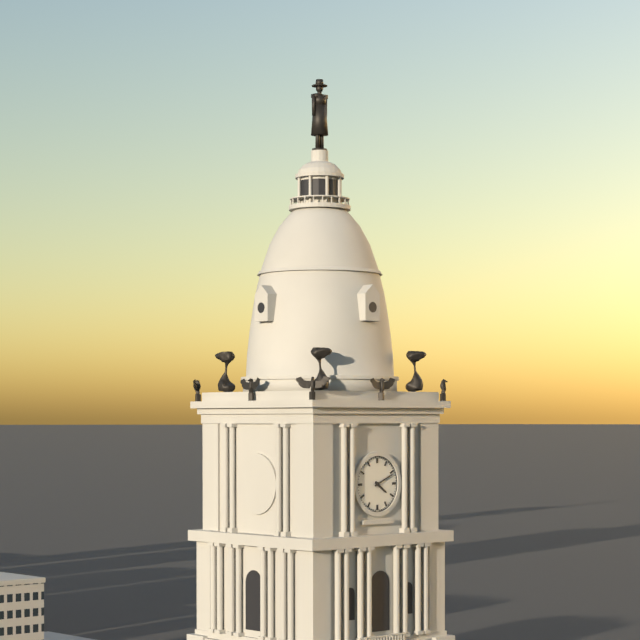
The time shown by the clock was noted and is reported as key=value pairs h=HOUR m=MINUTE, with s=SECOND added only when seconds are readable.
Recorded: h=4 m=11
